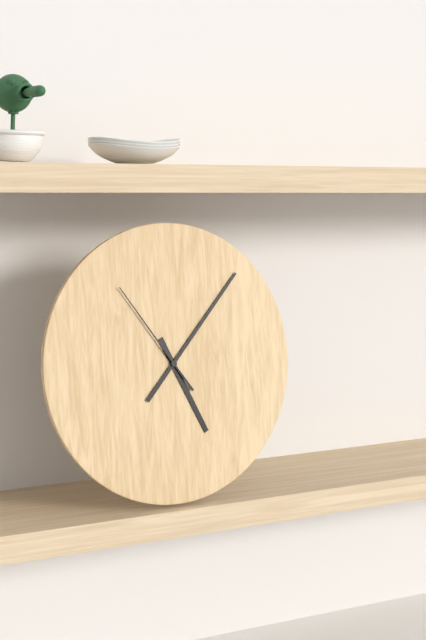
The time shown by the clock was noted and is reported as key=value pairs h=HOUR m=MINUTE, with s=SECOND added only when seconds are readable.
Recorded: h=5 m=7 s=54
